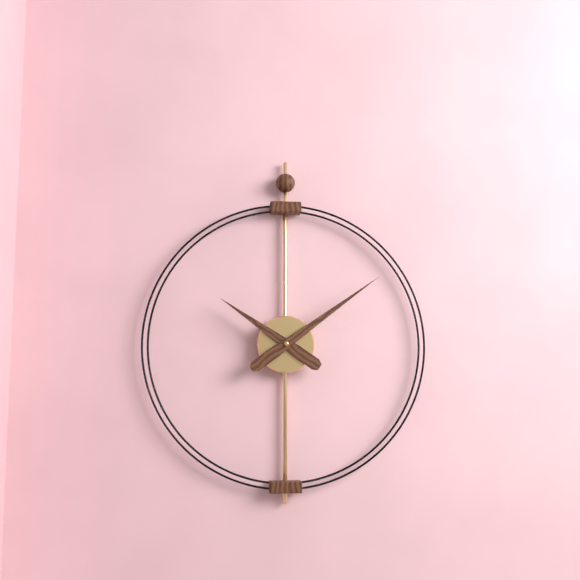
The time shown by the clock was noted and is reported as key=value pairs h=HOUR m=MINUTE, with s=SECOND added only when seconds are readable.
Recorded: h=10 m=9
